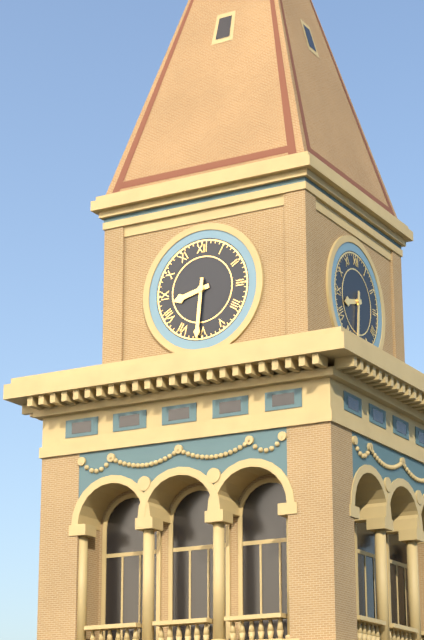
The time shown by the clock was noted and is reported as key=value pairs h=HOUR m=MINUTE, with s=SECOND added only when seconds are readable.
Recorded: h=8 m=31
